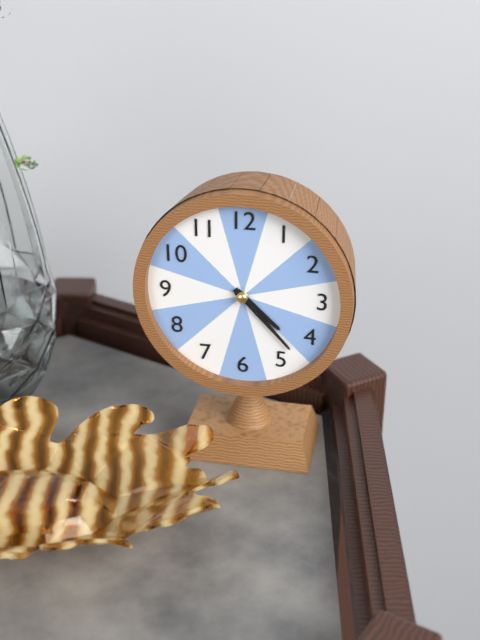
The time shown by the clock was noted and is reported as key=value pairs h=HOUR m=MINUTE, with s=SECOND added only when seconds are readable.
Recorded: h=4 m=23
